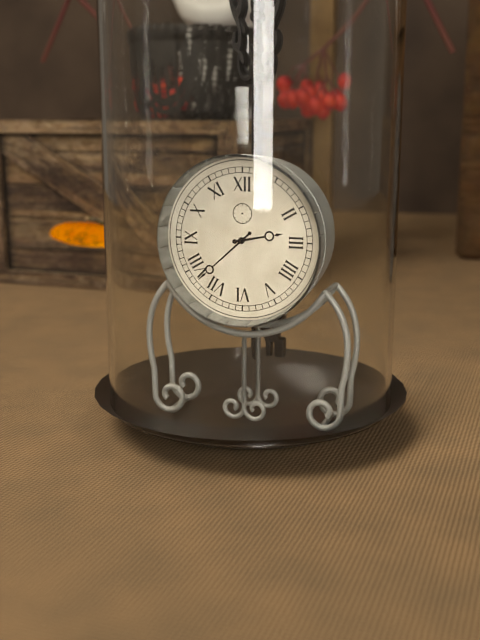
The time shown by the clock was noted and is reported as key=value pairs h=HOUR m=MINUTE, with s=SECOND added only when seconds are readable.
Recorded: h=2 m=38
